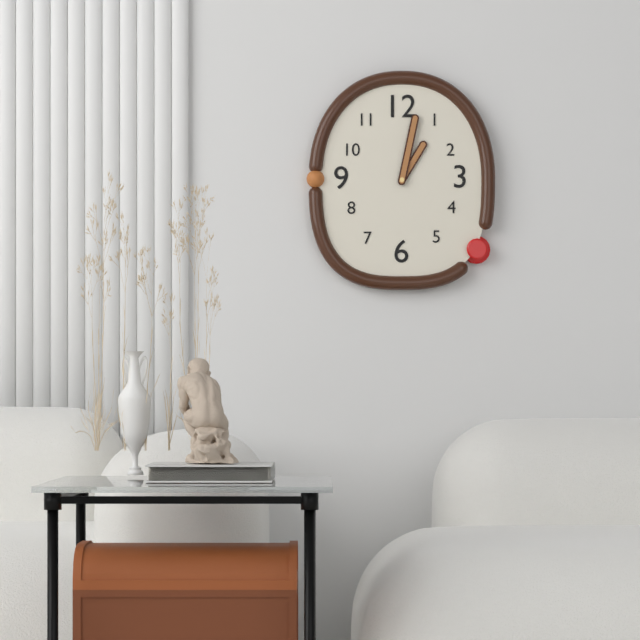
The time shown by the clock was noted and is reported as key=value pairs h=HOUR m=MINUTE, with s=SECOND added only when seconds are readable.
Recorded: h=1 m=2
